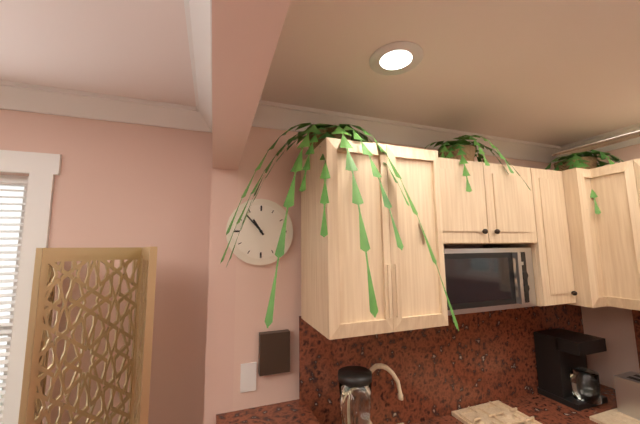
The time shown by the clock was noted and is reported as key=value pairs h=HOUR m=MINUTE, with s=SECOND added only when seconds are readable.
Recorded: h=10 m=53
